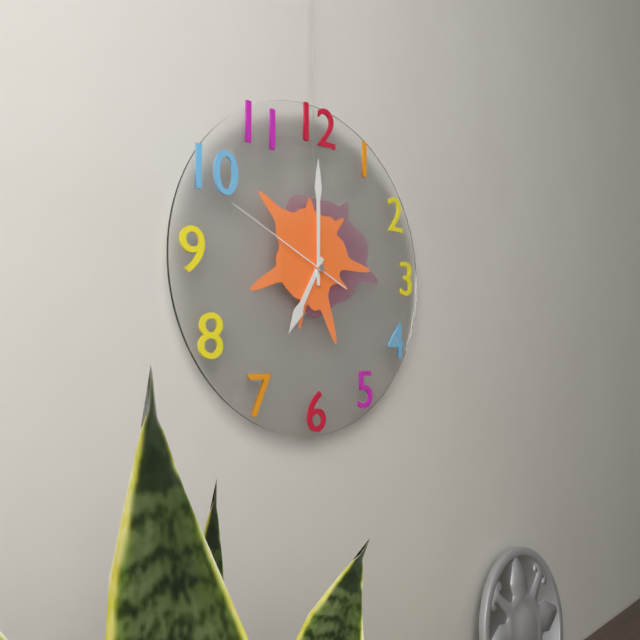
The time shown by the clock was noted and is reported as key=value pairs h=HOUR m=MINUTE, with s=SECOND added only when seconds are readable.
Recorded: h=7 m=0 s=49
